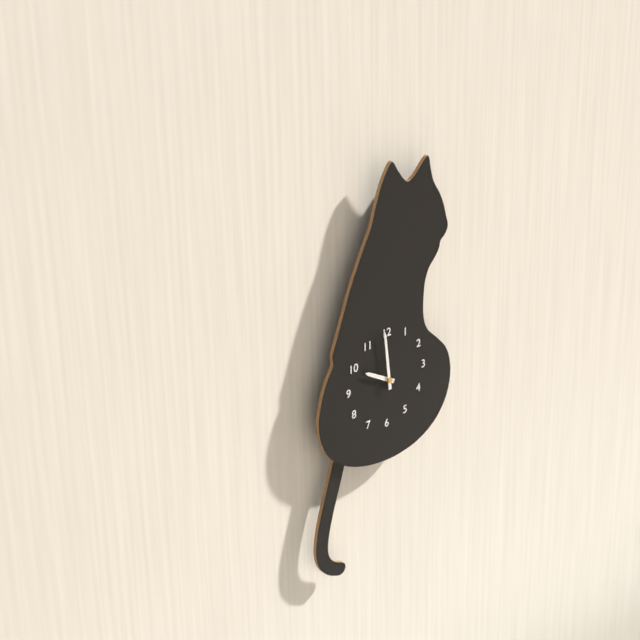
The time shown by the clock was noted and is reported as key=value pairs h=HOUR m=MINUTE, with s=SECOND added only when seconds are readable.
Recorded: h=9 m=59
